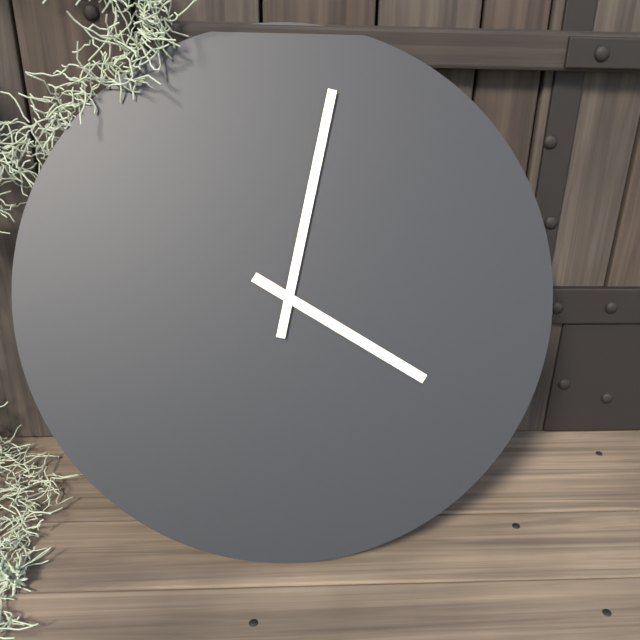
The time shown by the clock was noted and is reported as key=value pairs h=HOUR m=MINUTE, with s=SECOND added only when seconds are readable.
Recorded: h=4 m=2
